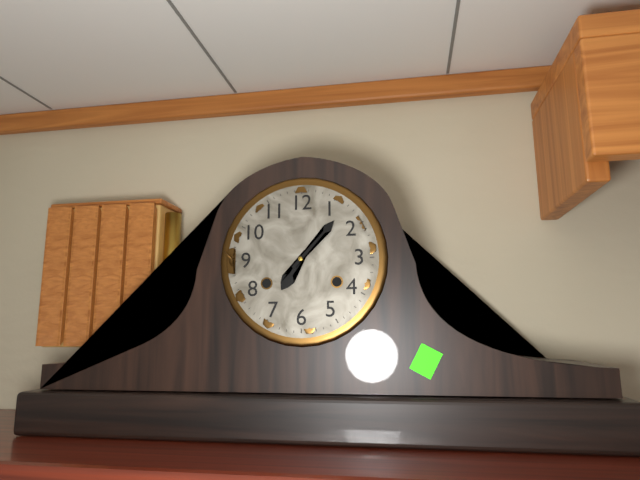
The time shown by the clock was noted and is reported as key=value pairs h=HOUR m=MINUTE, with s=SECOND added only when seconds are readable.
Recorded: h=7 m=7
